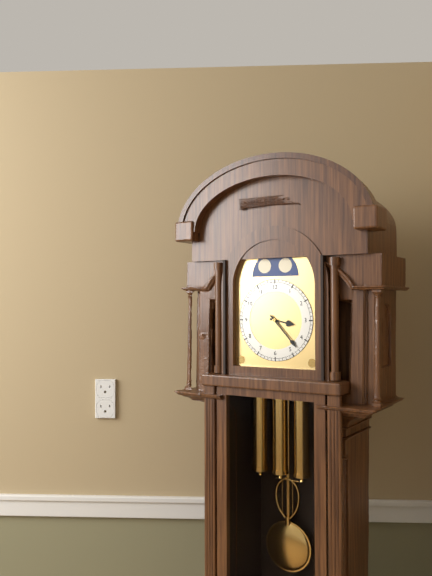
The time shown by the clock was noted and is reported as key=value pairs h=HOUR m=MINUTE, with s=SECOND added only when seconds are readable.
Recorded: h=3 m=23
